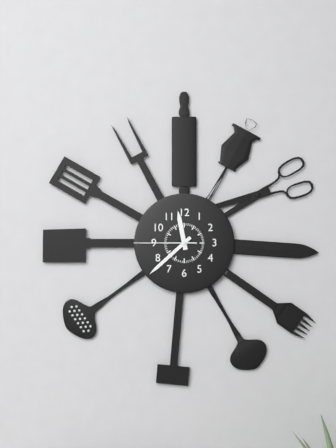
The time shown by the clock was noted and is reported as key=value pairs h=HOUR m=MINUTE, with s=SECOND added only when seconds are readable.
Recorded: h=11 m=38 s=45
